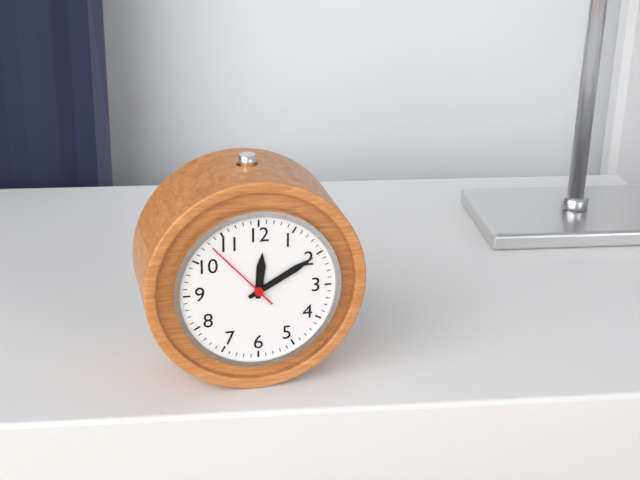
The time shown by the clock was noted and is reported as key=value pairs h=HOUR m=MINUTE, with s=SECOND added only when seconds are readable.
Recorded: h=12 m=10 s=53
